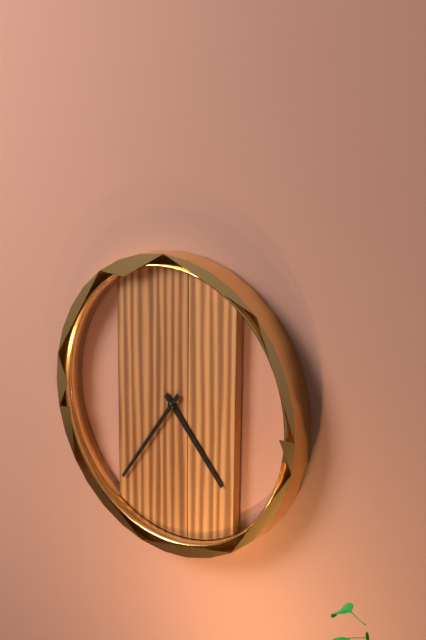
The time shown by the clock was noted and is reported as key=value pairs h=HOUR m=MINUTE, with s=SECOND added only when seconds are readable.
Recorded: h=4 m=36
